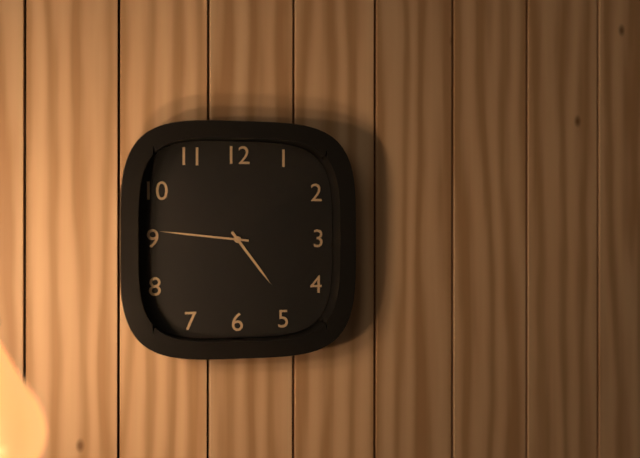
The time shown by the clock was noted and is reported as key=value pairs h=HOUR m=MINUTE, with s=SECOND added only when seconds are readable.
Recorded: h=4 m=46
